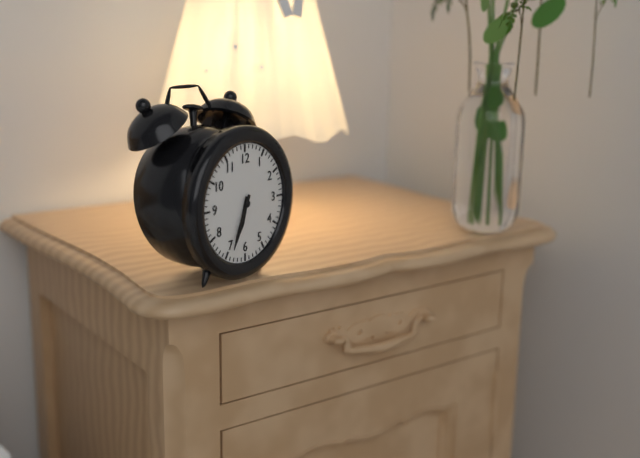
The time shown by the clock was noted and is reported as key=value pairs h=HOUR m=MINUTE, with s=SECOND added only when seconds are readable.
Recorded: h=6 m=34
